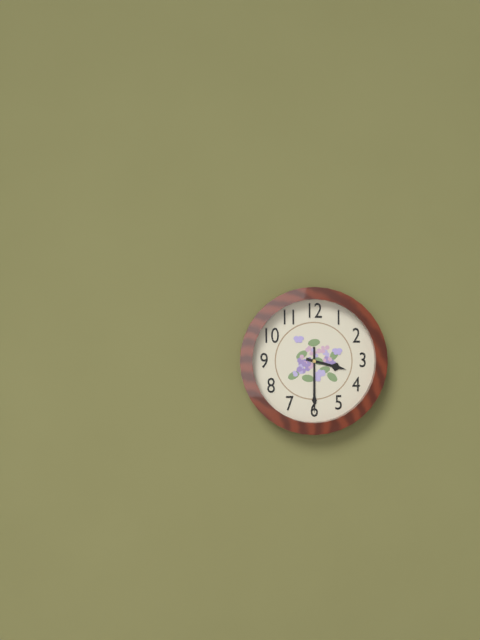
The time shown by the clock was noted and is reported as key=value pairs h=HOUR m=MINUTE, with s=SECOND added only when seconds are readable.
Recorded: h=3 m=30
